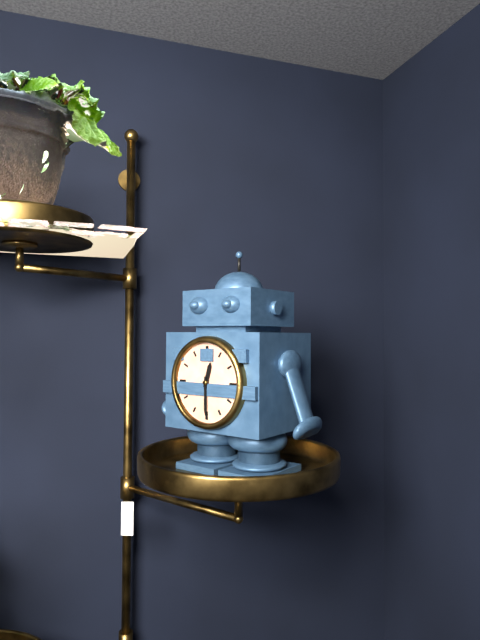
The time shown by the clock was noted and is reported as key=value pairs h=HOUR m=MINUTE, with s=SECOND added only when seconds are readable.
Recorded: h=12 m=30
